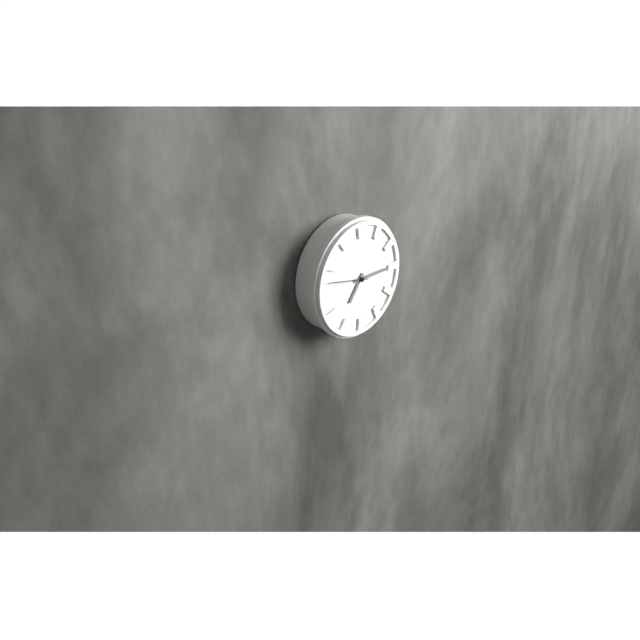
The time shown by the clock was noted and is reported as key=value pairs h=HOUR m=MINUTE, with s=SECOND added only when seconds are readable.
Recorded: h=7 m=15
